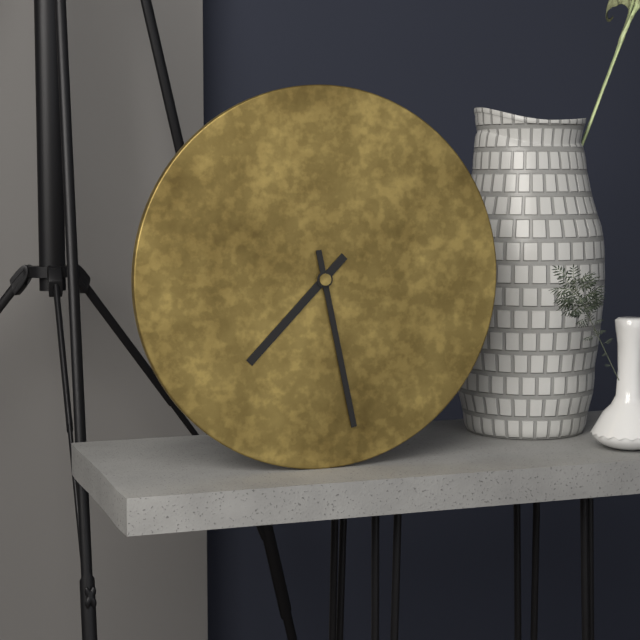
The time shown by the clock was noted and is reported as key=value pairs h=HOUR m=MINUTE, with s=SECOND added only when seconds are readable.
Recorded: h=7 m=28
